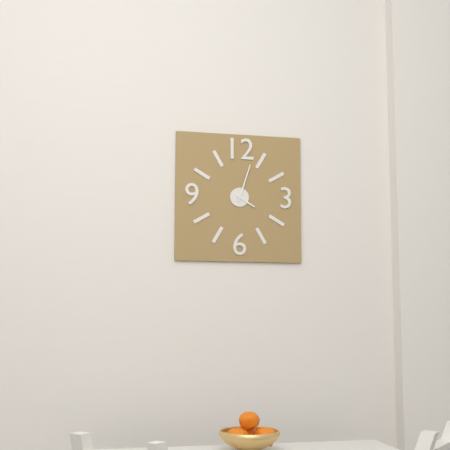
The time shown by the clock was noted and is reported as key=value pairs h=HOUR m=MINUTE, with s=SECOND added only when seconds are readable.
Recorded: h=4 m=3
